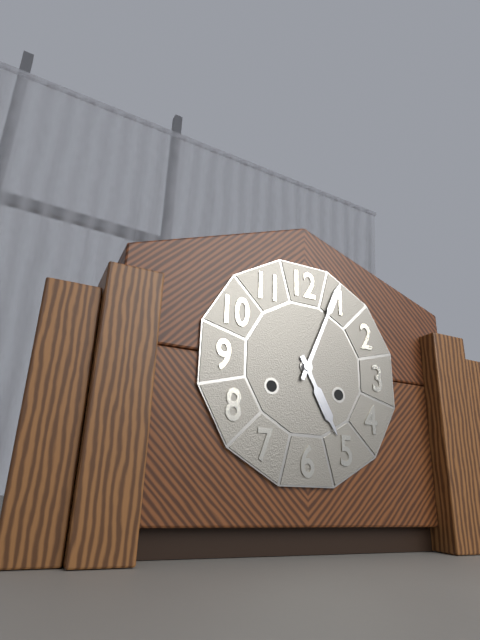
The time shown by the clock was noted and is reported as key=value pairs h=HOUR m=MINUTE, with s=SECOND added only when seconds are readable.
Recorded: h=5 m=4
